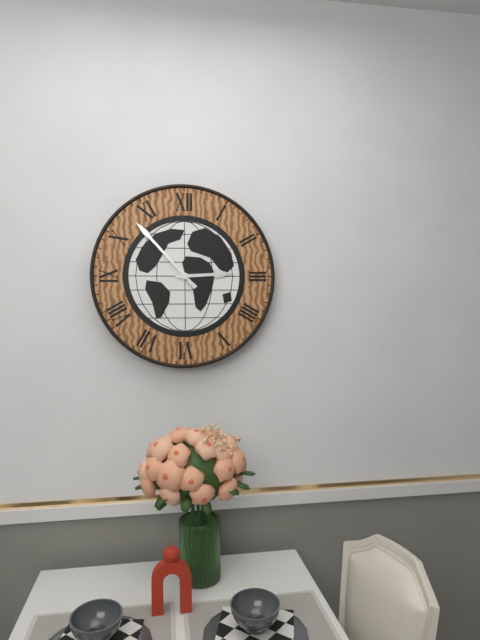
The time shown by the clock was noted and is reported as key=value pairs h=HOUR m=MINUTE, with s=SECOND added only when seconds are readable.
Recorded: h=2 m=53
